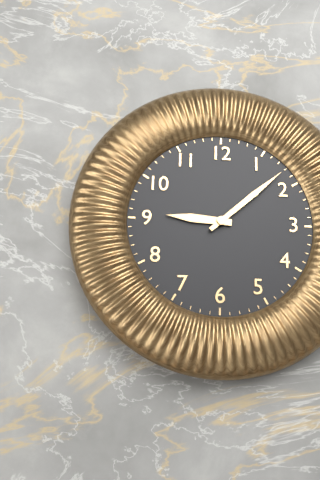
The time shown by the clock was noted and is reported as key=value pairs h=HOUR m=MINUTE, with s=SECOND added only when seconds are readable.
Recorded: h=9 m=8
